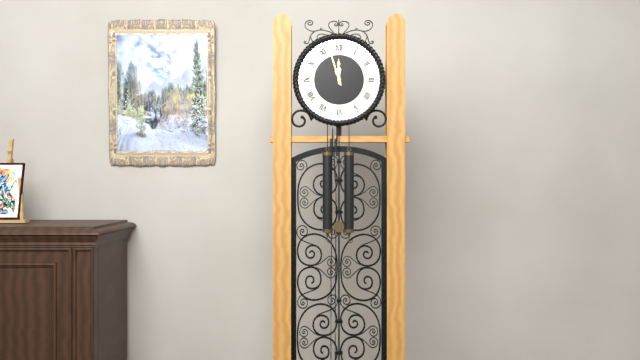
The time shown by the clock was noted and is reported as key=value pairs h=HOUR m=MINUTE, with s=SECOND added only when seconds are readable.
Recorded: h=11 m=57
